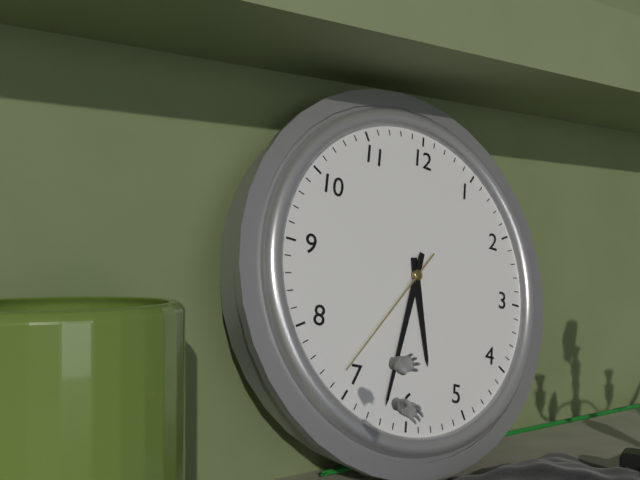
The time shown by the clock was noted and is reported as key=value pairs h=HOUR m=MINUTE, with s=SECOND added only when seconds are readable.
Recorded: h=5 m=32 s=36
